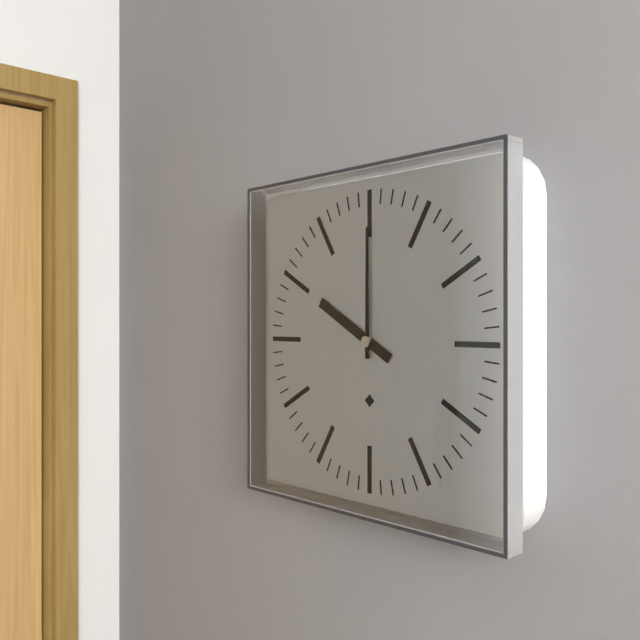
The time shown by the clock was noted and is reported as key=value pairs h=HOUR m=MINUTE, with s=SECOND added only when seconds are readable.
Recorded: h=10 m=0
